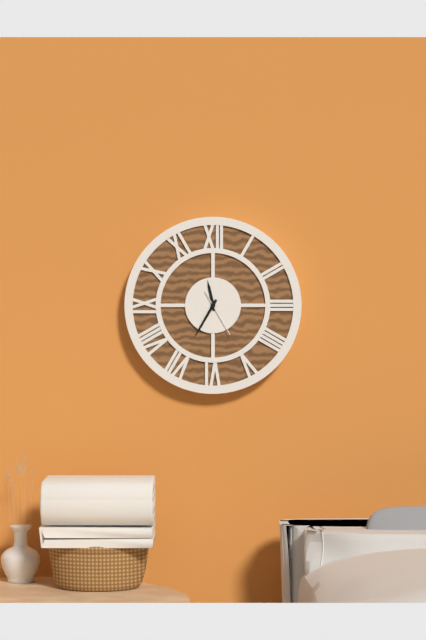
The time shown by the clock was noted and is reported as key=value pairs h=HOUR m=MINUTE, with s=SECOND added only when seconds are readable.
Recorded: h=11 m=35
